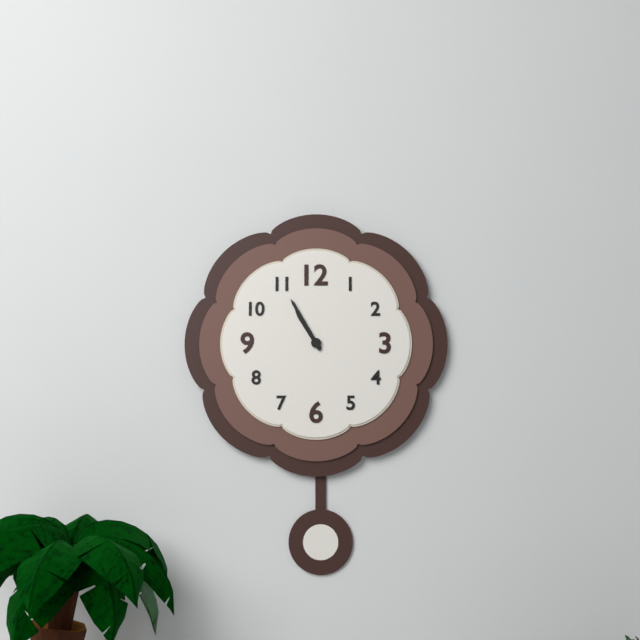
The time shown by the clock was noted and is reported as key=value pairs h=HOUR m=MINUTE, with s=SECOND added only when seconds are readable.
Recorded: h=10 m=55
